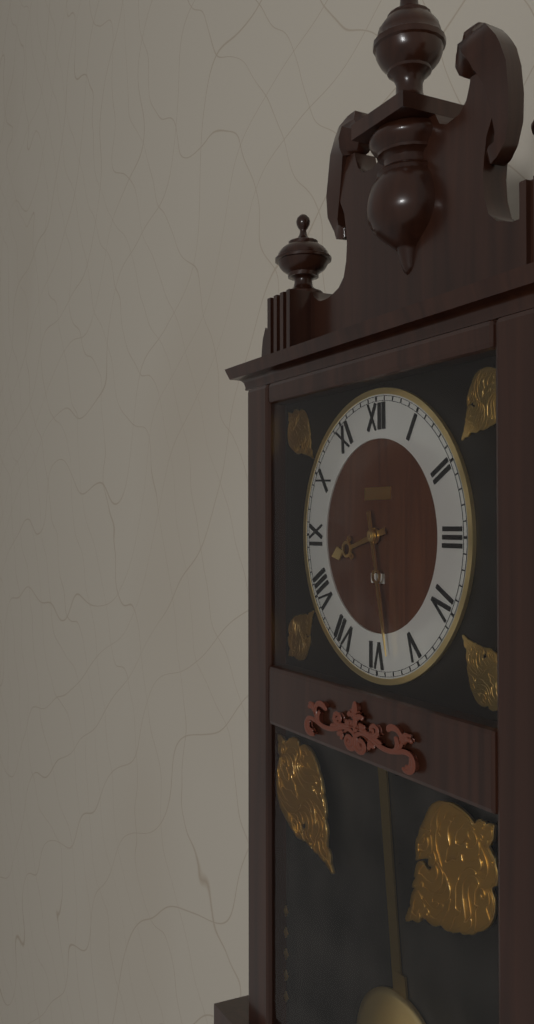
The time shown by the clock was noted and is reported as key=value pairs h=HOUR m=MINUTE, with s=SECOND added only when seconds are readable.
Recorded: h=8 m=28
